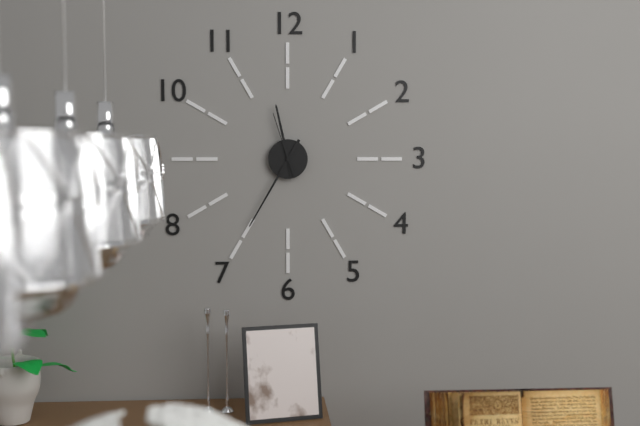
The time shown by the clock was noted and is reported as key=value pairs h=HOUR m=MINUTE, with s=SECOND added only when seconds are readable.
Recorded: h=11 m=35 s=57
